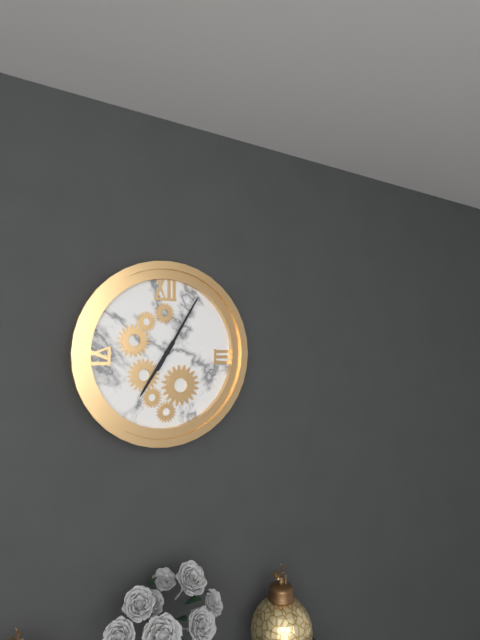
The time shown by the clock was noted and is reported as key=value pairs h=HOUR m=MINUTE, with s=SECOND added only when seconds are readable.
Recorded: h=7 m=5
